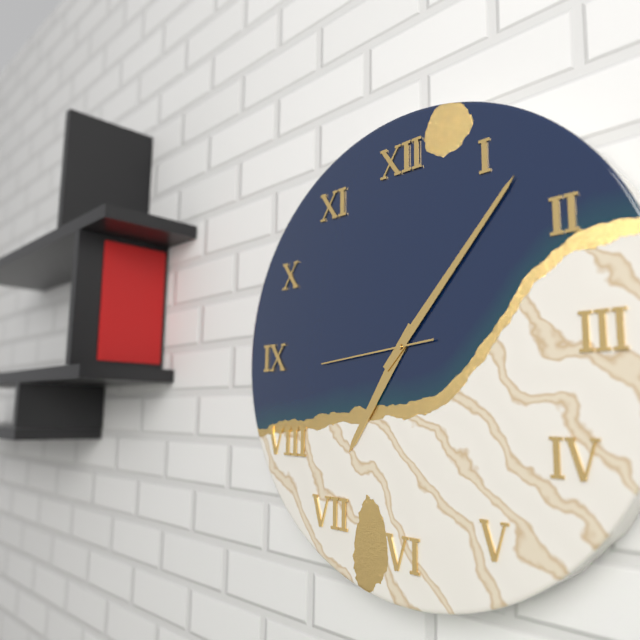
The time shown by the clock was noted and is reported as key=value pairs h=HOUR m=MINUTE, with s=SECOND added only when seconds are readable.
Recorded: h=7 m=7 s=44
